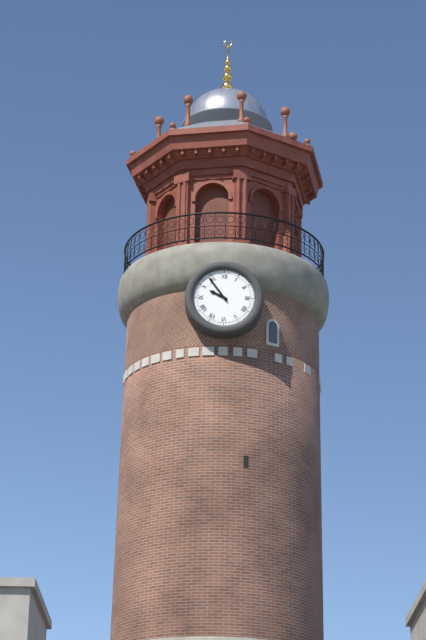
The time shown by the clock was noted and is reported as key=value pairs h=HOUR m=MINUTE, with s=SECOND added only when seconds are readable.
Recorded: h=9 m=54
